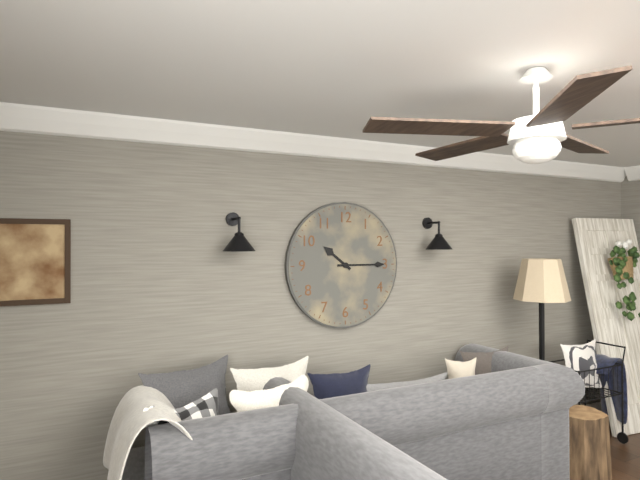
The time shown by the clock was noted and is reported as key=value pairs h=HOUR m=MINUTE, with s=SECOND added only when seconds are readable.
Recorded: h=10 m=15
